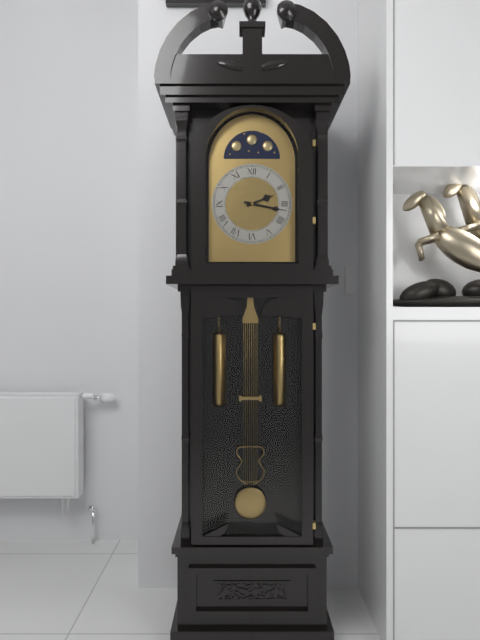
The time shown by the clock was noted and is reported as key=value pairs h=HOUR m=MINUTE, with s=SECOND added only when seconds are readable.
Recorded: h=2 m=17
